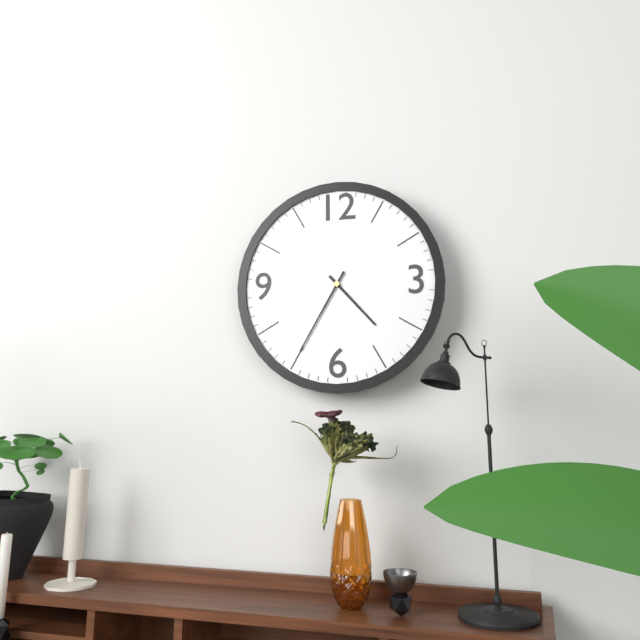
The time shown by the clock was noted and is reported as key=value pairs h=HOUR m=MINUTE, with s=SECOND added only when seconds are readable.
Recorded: h=4 m=35
